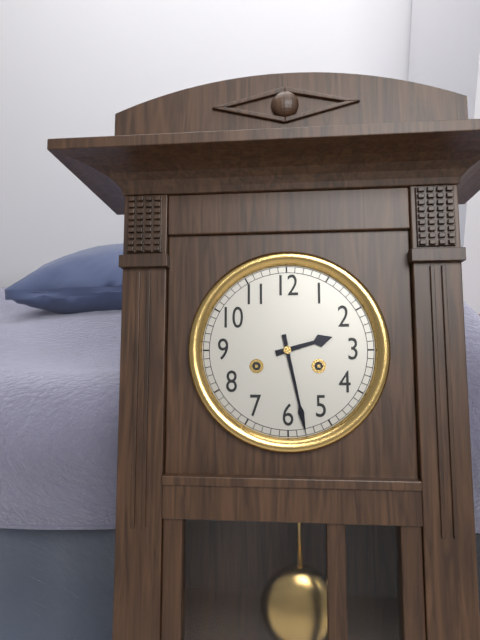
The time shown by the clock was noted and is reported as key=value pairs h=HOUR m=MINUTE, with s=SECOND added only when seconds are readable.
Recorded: h=2 m=28
